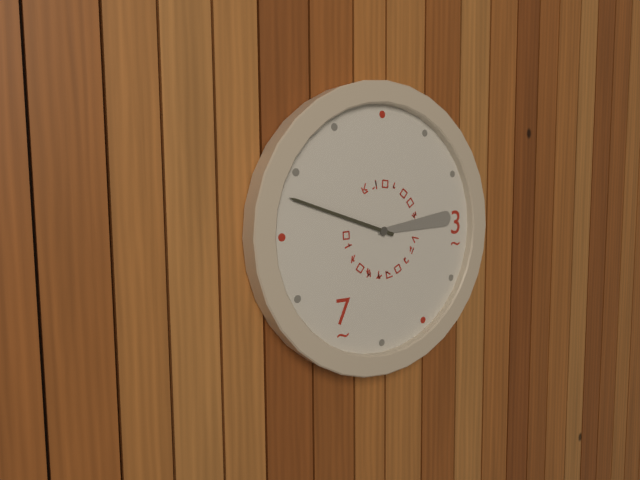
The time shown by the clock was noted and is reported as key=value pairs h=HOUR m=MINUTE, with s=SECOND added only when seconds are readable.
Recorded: h=2 m=48
